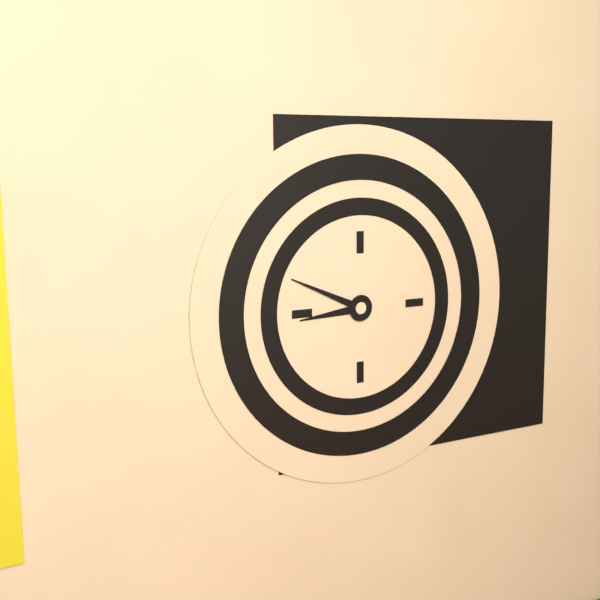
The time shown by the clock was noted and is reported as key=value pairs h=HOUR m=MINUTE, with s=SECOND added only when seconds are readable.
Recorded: h=8 m=49
